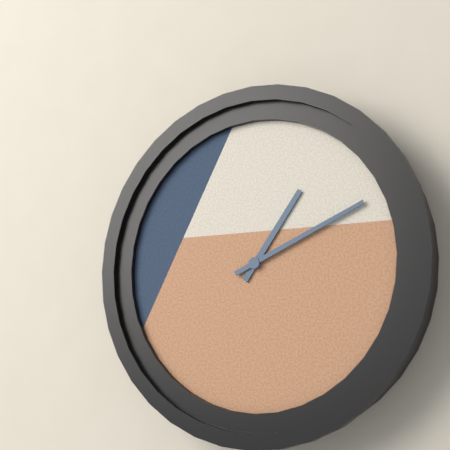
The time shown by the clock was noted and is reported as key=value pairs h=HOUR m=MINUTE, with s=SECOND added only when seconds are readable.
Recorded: h=1 m=11
